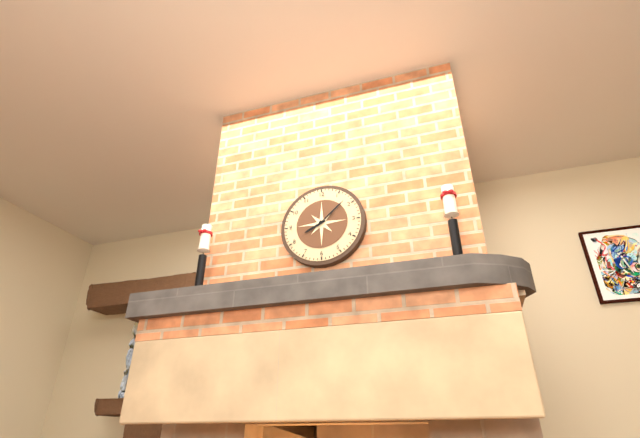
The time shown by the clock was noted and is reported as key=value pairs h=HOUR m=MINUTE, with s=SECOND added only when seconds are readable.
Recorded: h=8 m=8
